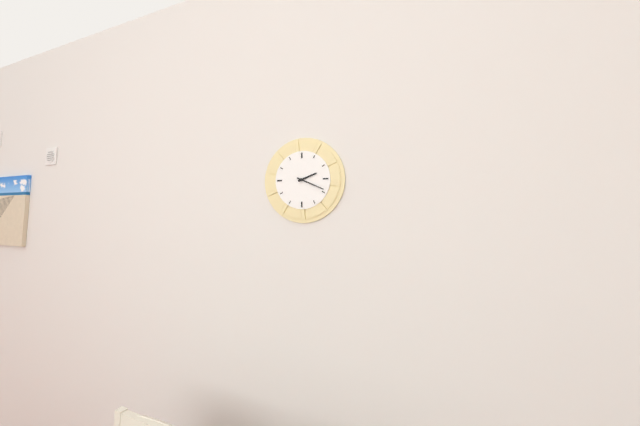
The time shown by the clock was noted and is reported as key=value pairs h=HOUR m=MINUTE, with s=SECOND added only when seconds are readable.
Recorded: h=2 m=19
